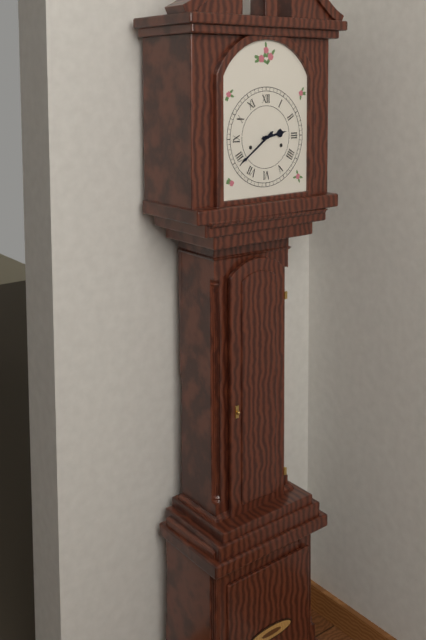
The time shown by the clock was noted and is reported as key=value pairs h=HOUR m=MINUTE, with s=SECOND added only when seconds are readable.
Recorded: h=2 m=39
